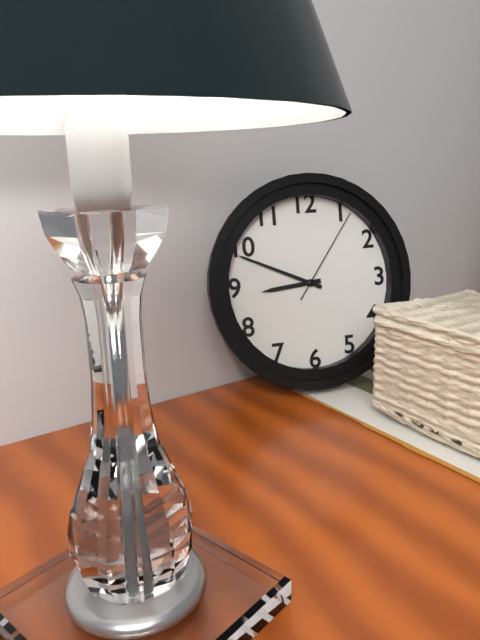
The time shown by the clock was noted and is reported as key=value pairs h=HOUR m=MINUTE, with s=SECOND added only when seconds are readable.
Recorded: h=8 m=49 s=6
